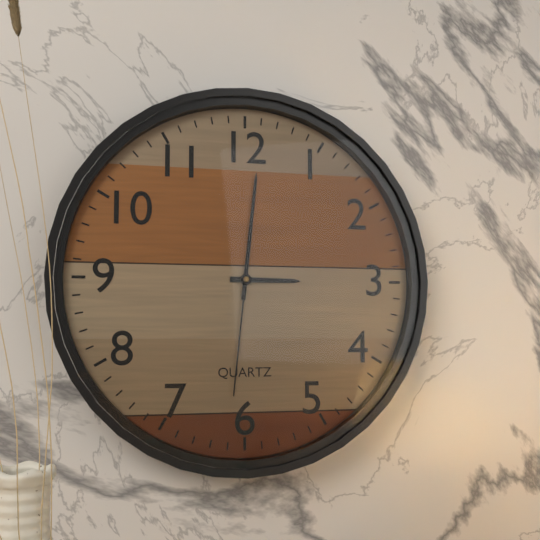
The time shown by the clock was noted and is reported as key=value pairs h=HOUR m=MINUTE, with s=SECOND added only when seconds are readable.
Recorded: h=3 m=1 s=31
